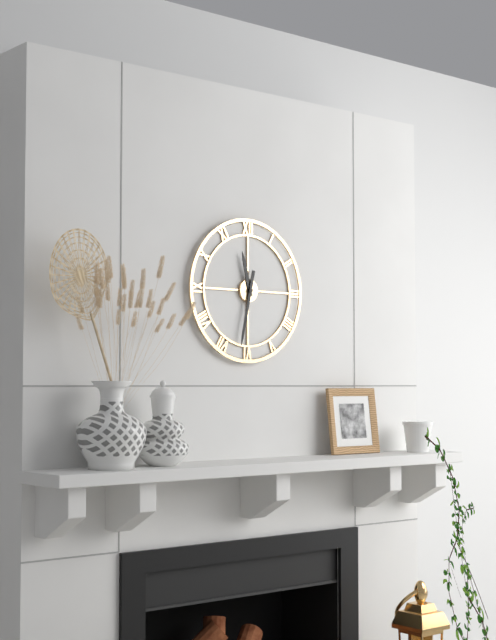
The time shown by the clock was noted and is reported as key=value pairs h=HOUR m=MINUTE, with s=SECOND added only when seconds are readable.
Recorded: h=11 m=32
